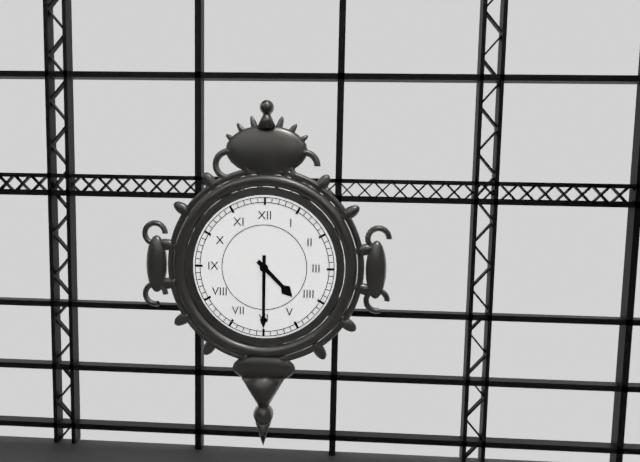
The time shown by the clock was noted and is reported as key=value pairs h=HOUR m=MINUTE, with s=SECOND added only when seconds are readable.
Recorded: h=4 m=30
